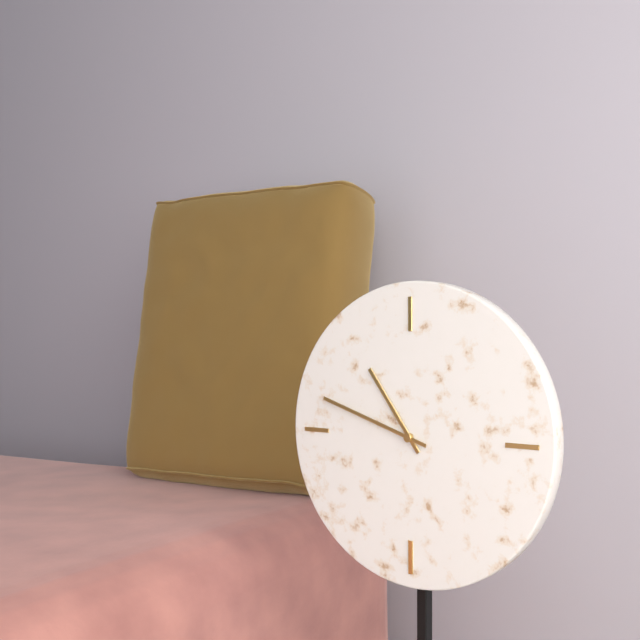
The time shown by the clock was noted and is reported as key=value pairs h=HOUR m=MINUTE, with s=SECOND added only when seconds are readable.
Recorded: h=10 m=48
